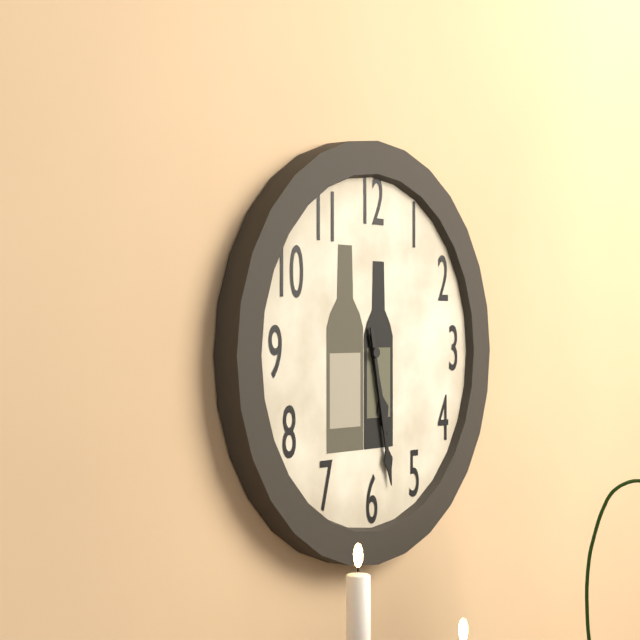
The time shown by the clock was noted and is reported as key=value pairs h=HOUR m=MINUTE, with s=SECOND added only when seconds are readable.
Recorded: h=5 m=28
